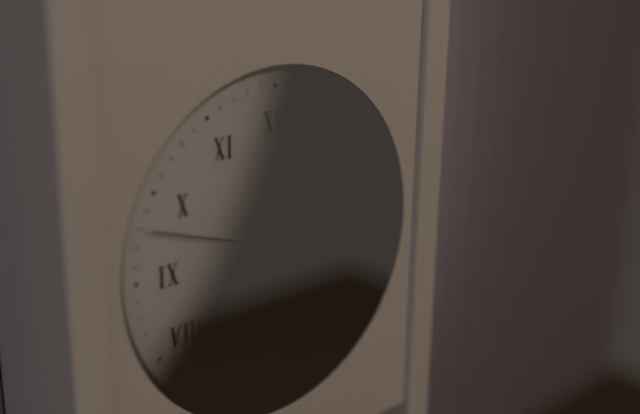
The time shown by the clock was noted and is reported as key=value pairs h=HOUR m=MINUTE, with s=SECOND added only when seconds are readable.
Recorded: h=12 m=2 s=48
